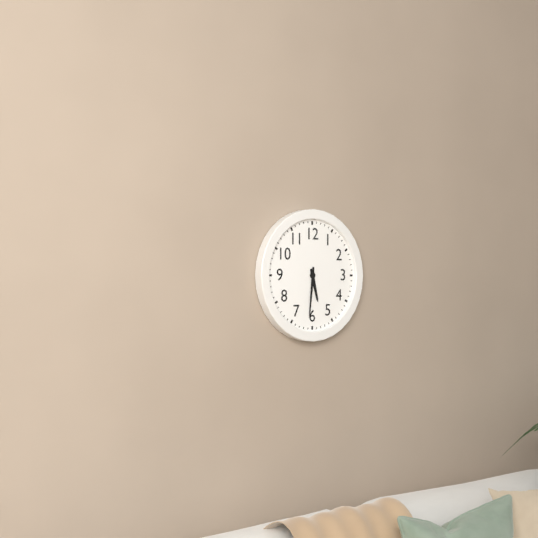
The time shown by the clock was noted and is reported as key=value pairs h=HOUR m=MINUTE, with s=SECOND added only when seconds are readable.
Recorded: h=5 m=31
